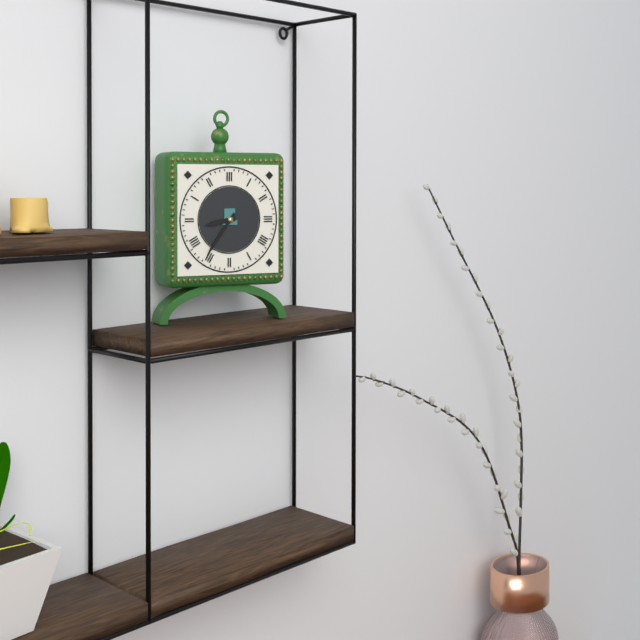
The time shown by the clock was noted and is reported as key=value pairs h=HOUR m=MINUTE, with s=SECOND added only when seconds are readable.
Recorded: h=8 m=36
